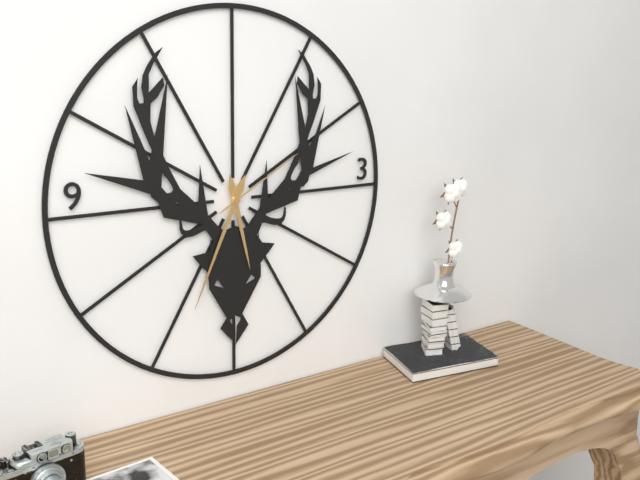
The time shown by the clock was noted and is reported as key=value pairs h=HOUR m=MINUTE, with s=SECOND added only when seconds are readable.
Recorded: h=5 m=34 s=10
